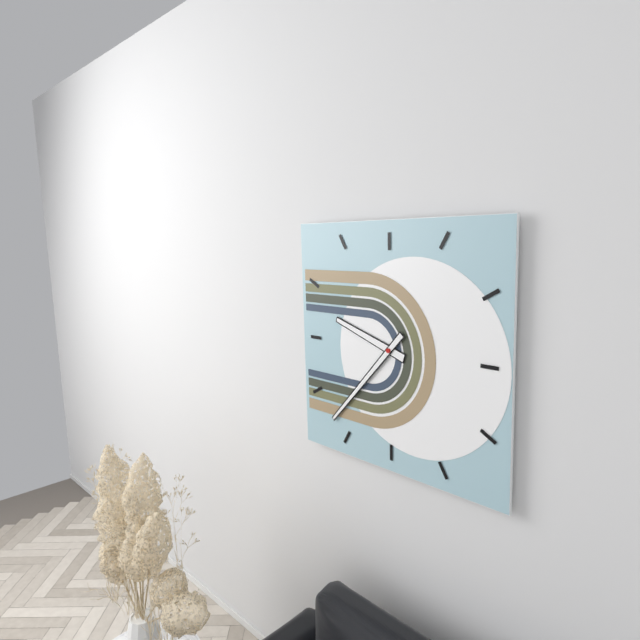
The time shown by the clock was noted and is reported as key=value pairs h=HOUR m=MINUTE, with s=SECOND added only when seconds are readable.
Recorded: h=9 m=37
